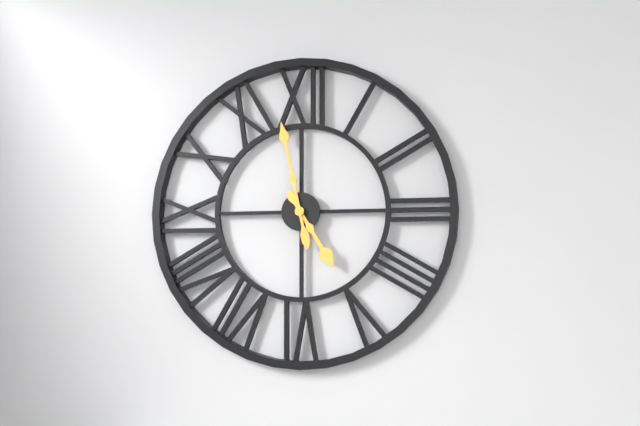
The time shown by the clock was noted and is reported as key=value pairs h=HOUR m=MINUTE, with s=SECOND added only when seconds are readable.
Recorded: h=4 m=58
